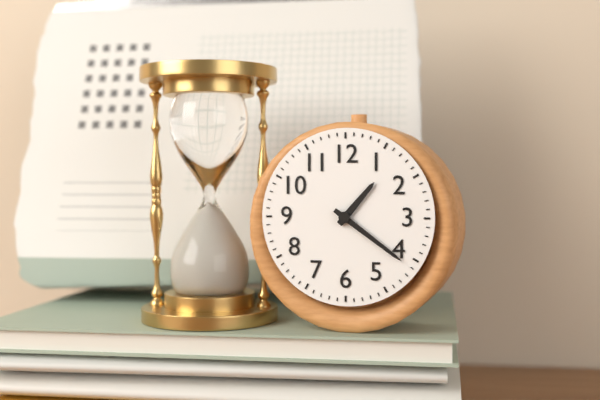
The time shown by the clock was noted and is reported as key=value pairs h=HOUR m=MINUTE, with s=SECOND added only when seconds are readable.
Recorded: h=1 m=21
